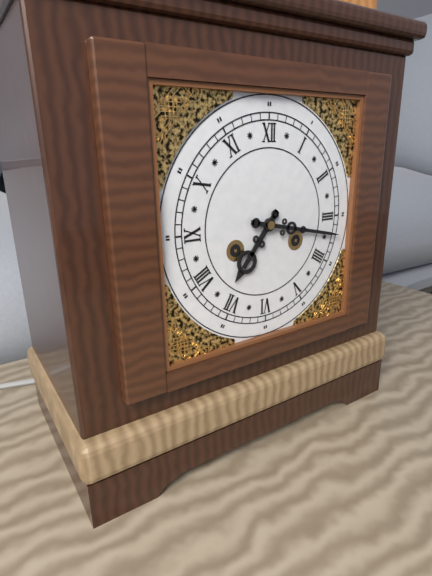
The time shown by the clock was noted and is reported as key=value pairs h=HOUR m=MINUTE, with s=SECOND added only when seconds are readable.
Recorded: h=7 m=17
